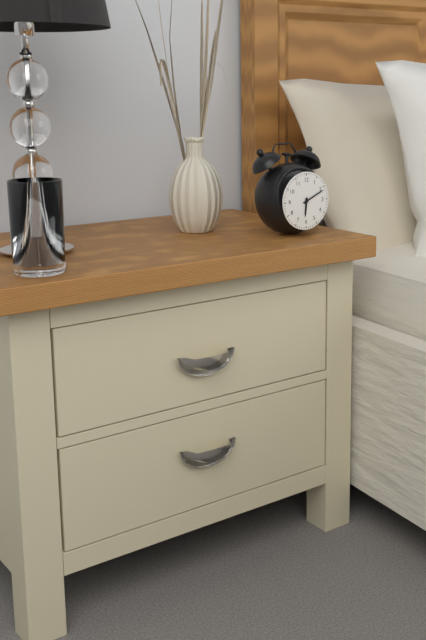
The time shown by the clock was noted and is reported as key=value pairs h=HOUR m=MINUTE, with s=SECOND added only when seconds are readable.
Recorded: h=6 m=11
